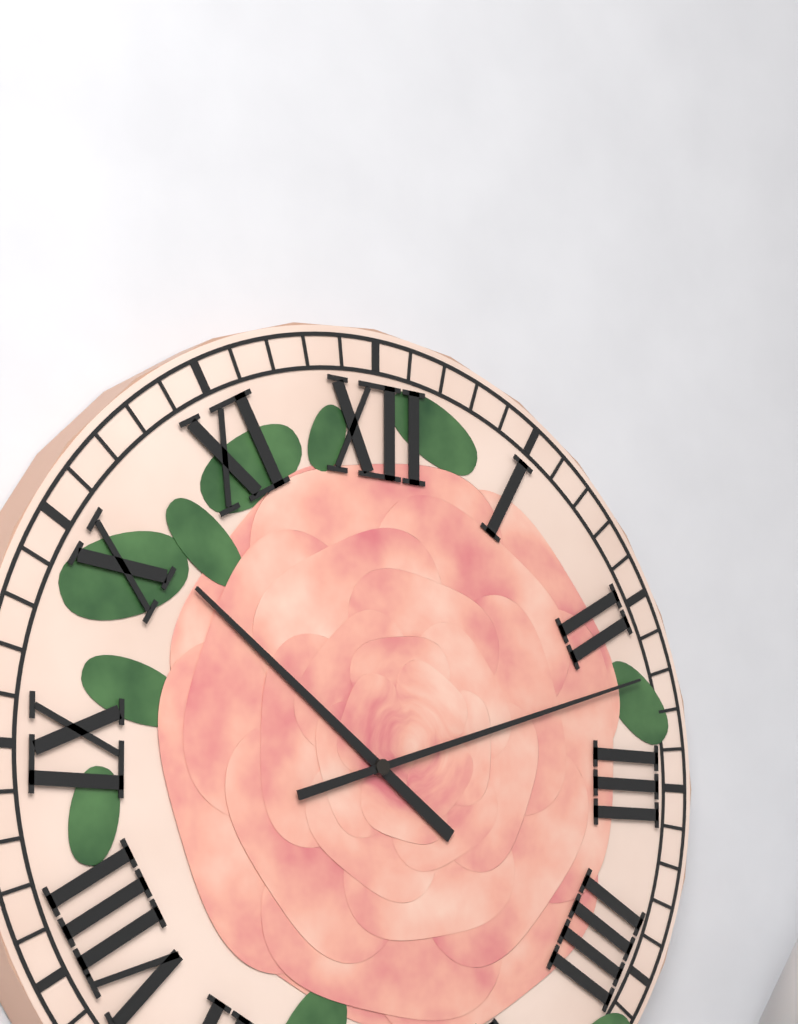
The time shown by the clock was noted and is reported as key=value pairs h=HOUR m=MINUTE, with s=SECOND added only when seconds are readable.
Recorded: h=10 m=12
